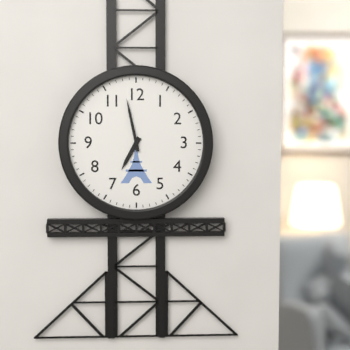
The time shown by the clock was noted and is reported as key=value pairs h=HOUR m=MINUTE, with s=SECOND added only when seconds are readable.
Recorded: h=6 m=58
